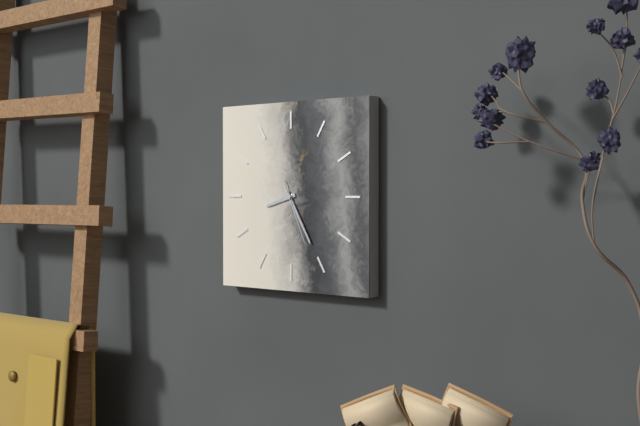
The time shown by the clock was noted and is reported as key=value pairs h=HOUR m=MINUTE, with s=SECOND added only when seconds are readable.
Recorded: h=8 m=25 s=26
